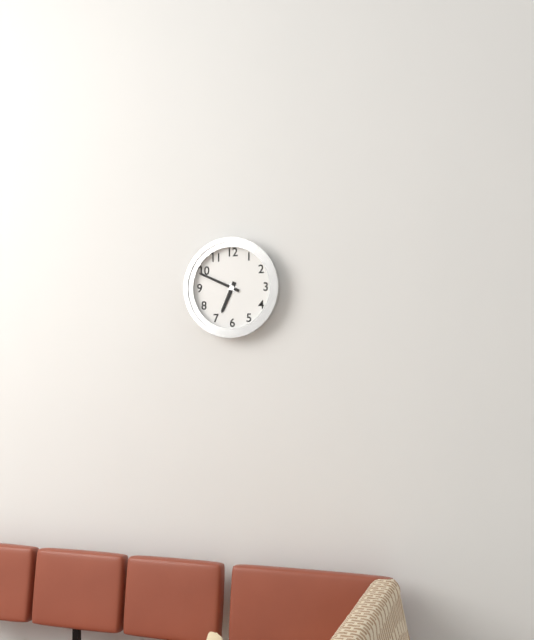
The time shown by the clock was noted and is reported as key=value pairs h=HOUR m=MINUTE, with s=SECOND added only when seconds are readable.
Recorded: h=6 m=49
